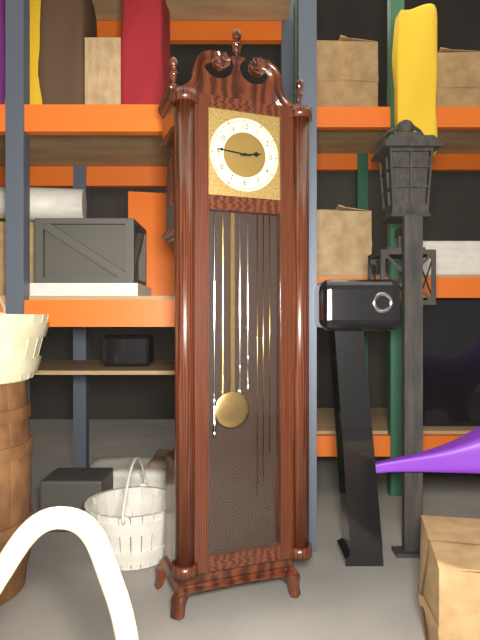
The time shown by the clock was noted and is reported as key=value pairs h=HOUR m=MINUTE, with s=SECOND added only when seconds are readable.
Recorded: h=2 m=46
